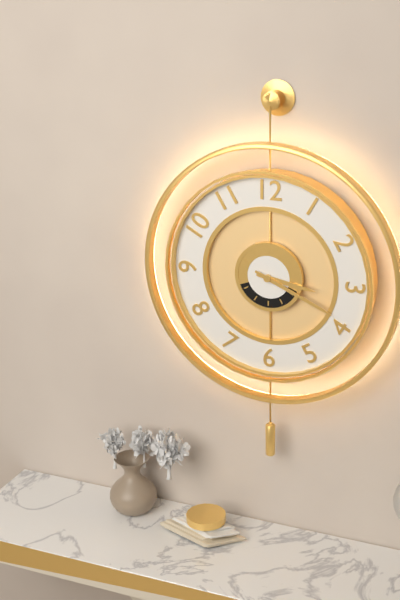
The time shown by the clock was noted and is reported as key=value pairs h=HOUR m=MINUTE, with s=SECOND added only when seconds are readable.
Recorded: h=3 m=19
